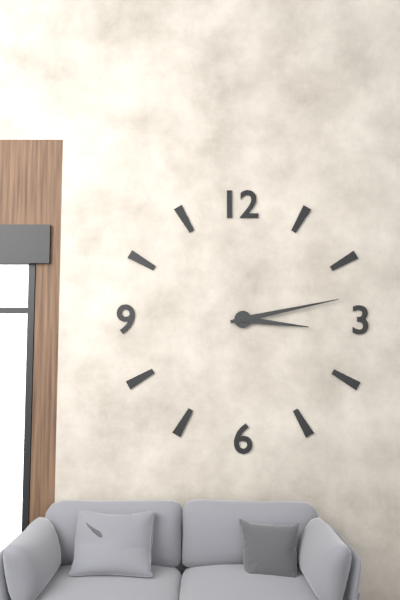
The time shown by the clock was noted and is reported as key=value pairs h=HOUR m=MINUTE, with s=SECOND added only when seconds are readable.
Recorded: h=3 m=13
